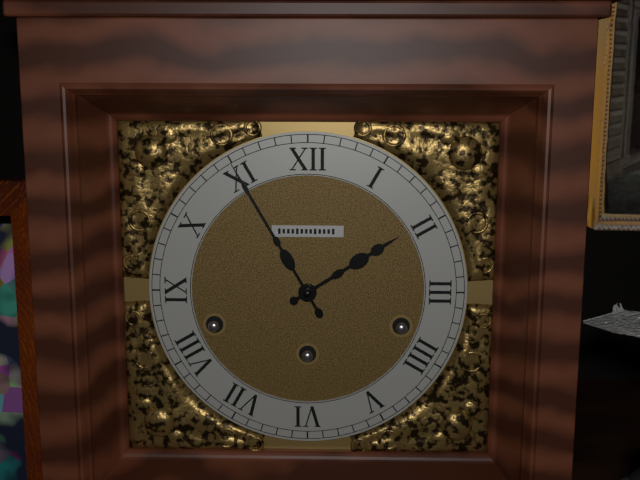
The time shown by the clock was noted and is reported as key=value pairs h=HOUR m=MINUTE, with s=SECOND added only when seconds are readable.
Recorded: h=1 m=55
